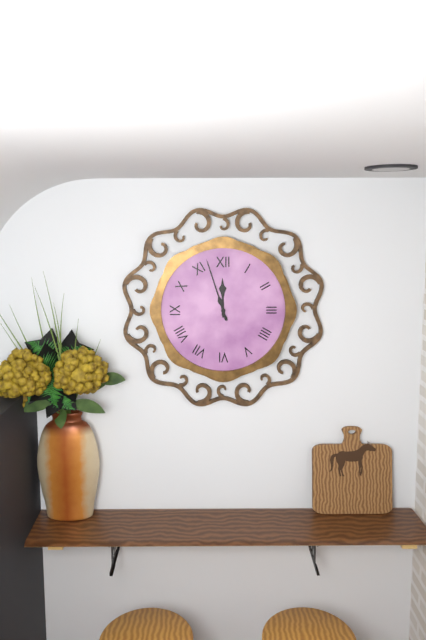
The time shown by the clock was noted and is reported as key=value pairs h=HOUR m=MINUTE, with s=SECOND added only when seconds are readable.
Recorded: h=11 m=57
